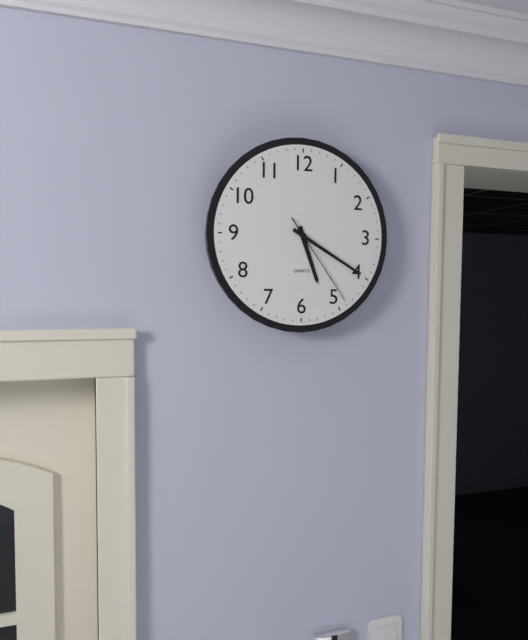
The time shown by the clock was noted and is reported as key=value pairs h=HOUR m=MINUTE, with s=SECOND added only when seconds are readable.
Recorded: h=5 m=20 s=24
